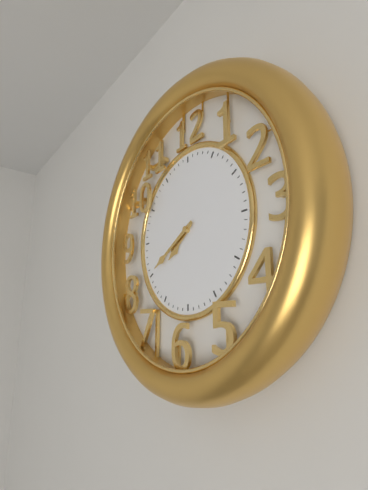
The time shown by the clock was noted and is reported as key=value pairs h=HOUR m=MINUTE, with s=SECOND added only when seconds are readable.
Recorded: h=7 m=40
